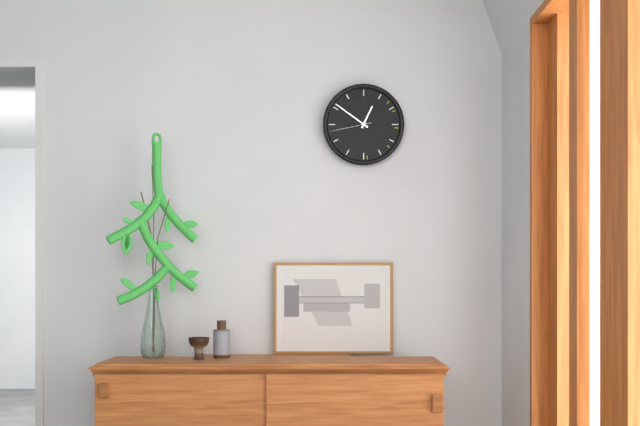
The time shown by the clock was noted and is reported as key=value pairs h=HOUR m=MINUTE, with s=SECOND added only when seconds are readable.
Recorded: h=12 m=51
